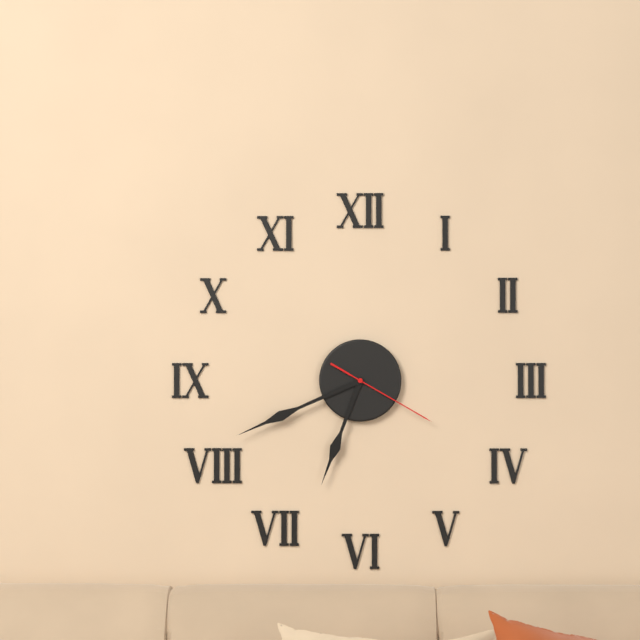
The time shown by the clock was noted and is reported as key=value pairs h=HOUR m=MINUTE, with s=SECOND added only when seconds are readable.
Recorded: h=6 m=41 s=20
